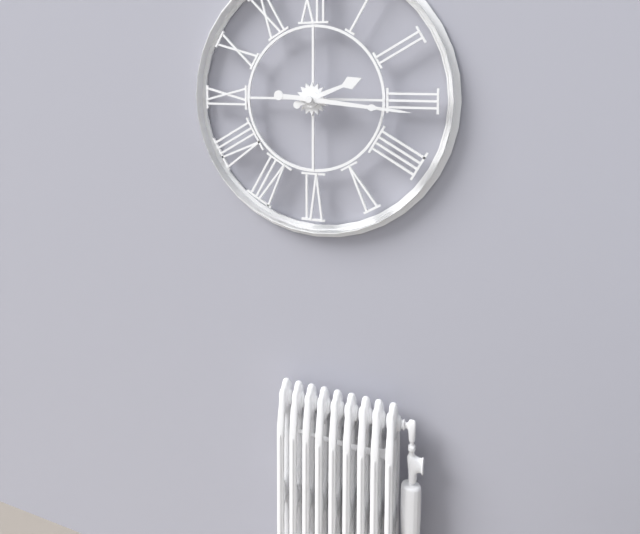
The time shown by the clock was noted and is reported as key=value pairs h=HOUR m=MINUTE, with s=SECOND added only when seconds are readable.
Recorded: h=2 m=16
